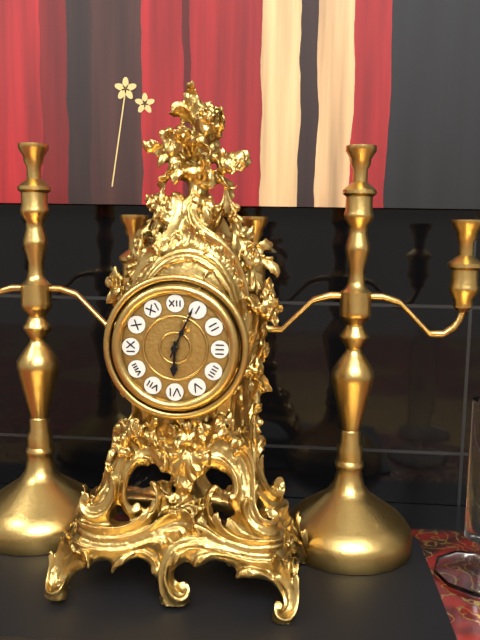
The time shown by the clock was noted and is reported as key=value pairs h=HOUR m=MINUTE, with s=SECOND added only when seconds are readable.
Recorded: h=6 m=4
